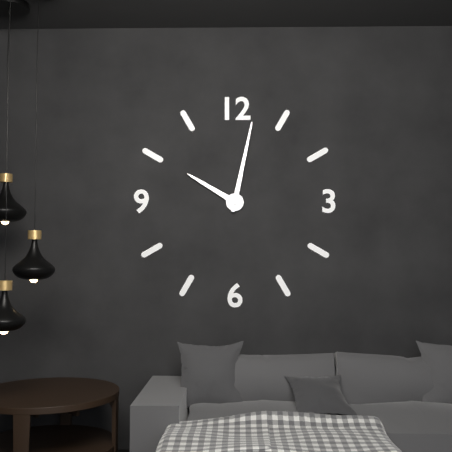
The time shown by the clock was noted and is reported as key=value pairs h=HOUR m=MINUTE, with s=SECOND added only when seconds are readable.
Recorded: h=10 m=2
